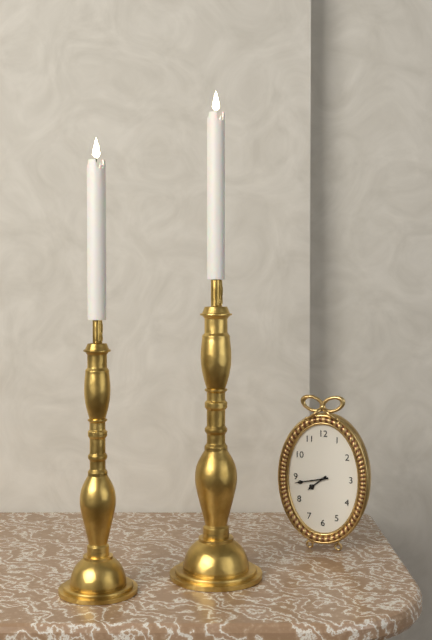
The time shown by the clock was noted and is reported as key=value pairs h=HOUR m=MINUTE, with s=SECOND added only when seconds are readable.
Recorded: h=7 m=43
